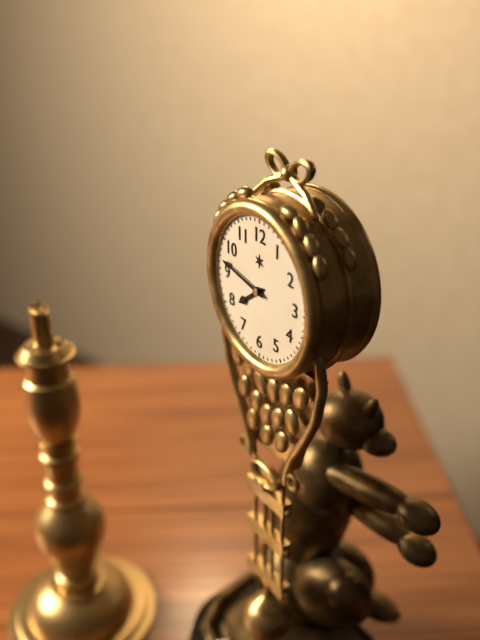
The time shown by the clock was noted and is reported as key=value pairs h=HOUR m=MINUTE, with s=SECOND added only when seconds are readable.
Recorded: h=7 m=47
